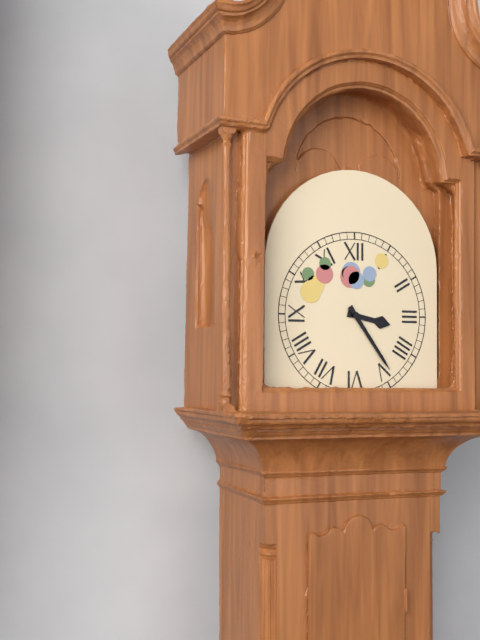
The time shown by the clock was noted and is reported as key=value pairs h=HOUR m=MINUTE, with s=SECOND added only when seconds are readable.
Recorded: h=3 m=24
